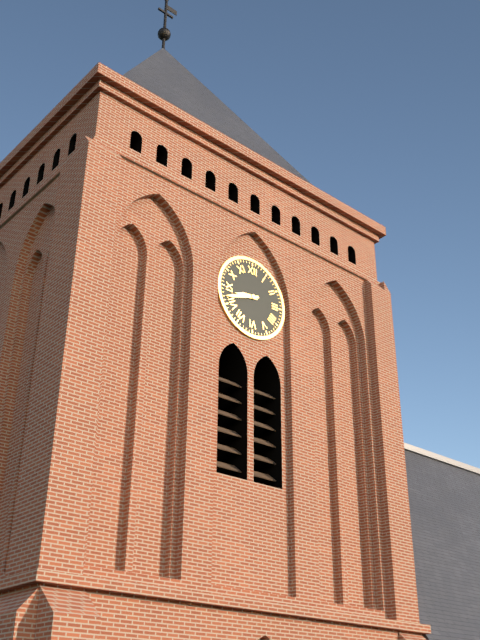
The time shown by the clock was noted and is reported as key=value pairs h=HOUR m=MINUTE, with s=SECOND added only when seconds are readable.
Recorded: h=8 m=42
